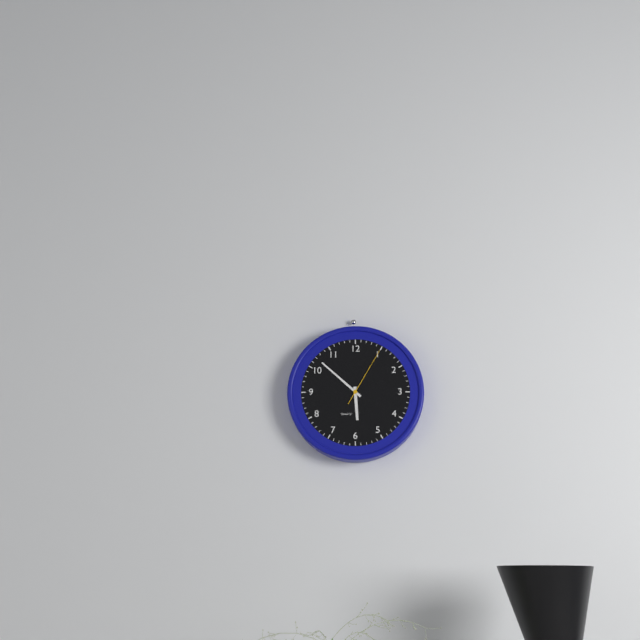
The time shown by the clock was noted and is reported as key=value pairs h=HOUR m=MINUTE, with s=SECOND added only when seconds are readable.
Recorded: h=5 m=52 s=5
